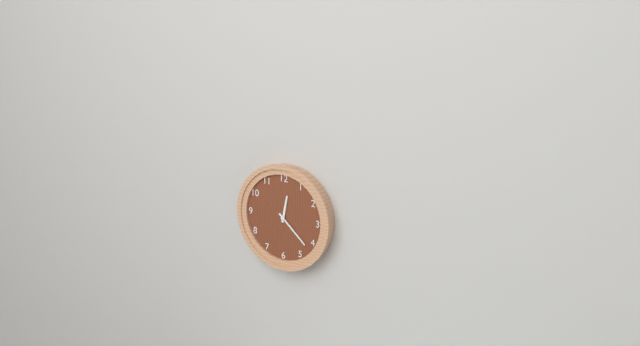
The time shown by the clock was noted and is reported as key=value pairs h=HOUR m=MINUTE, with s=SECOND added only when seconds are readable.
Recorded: h=12 m=22
